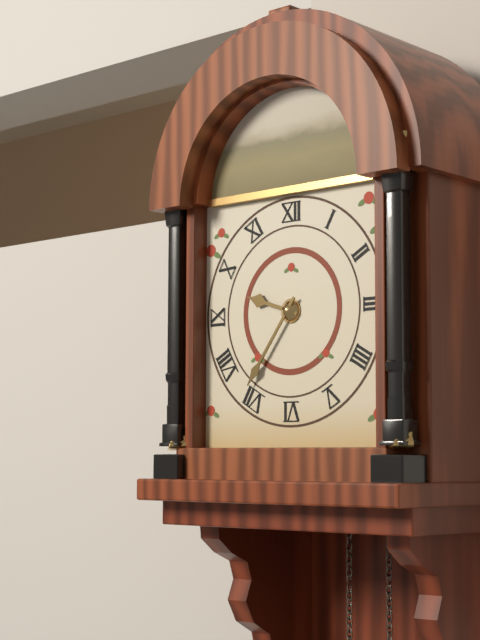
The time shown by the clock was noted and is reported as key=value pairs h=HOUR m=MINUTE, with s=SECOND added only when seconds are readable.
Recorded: h=9 m=36
